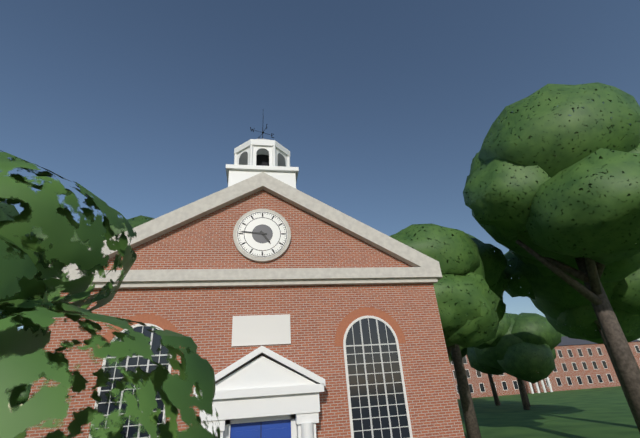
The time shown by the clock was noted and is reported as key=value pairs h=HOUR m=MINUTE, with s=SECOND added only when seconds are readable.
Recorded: h=4 m=46
